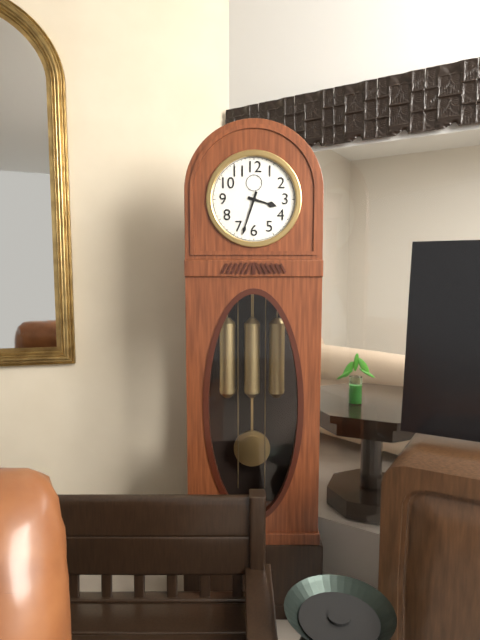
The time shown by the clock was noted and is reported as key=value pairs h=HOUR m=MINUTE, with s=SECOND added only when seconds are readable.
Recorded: h=3 m=33
